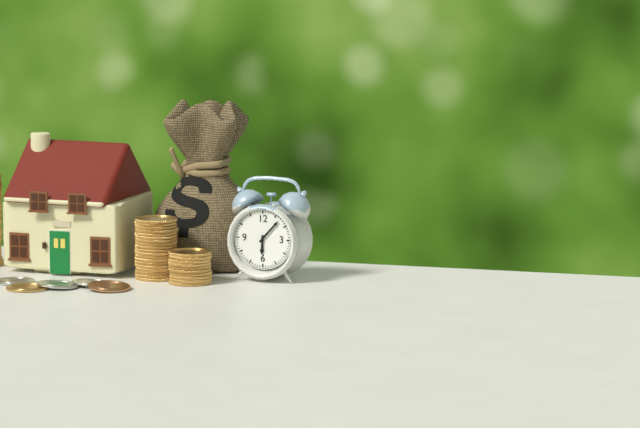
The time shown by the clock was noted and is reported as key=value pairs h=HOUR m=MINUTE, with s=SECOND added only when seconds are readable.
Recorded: h=6 m=7
